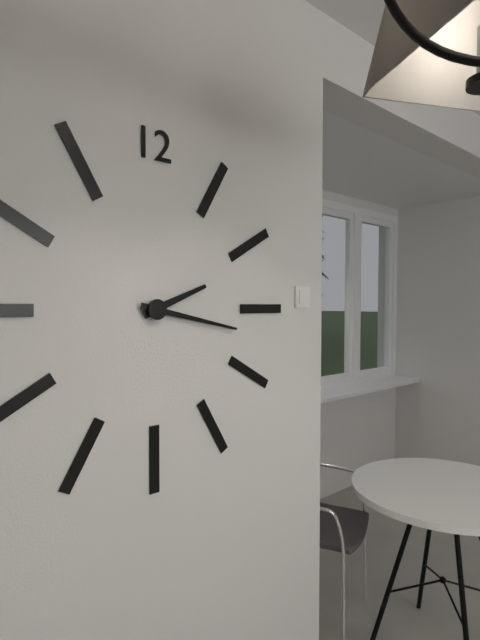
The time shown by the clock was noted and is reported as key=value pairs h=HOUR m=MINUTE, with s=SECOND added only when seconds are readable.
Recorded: h=2 m=17
